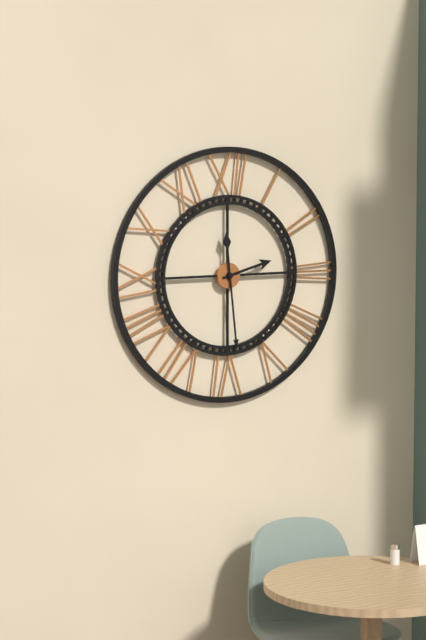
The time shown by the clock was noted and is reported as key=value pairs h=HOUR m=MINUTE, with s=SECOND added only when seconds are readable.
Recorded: h=2 m=29
